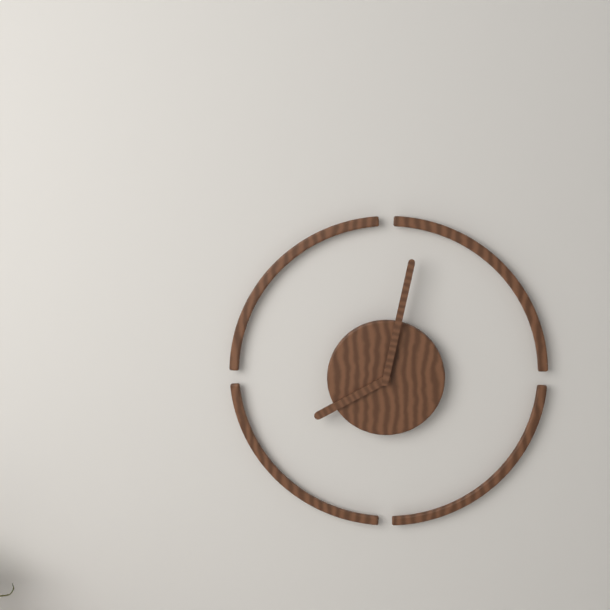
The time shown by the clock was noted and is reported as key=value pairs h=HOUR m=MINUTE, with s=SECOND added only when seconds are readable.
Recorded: h=8 m=2
